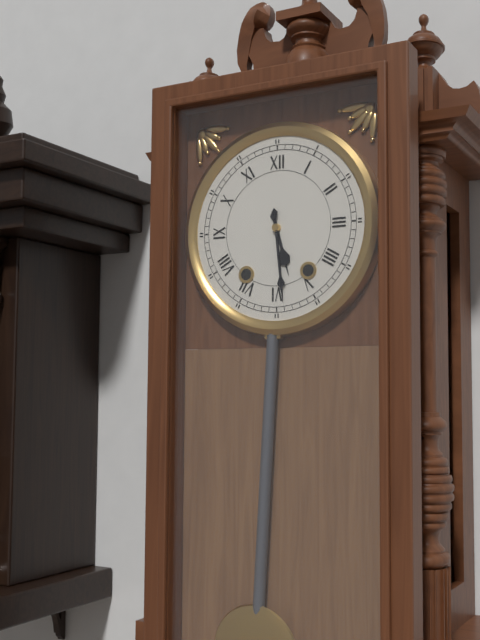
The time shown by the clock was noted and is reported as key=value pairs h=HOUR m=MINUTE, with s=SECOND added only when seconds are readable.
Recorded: h=5 m=29
